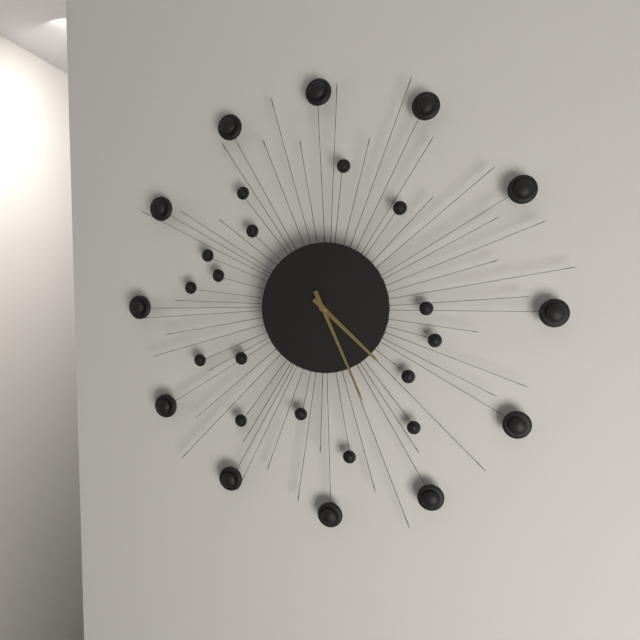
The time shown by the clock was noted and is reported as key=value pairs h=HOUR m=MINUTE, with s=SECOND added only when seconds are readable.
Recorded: h=4 m=26
